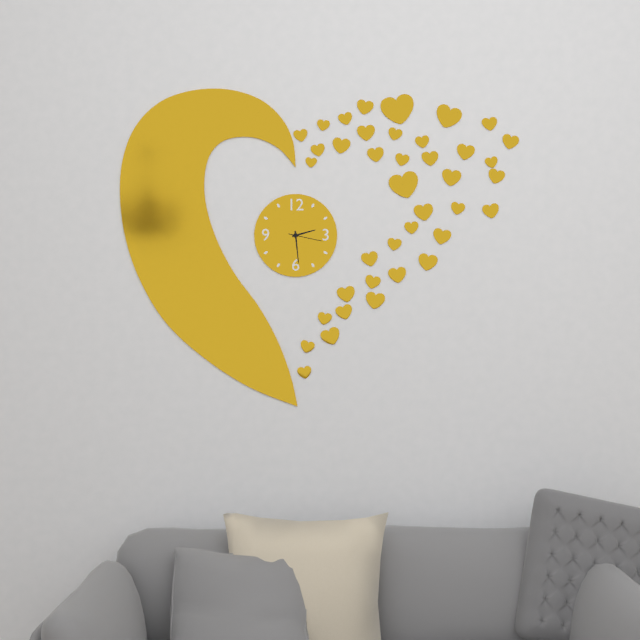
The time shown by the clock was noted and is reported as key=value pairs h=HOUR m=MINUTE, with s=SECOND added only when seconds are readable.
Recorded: h=2 m=29
